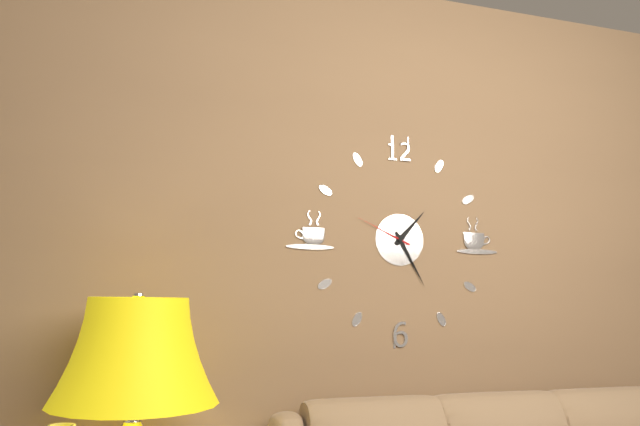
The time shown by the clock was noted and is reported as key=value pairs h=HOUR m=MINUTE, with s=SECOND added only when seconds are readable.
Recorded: h=1 m=25 s=49
